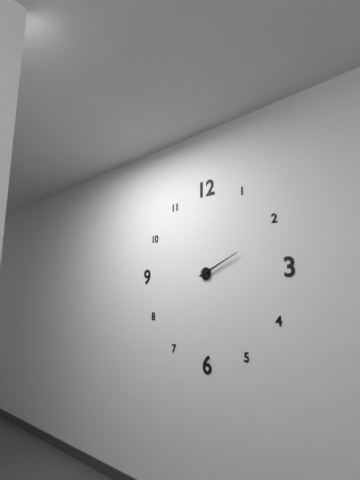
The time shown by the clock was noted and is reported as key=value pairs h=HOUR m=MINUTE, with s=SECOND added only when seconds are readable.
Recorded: h=2 m=11
